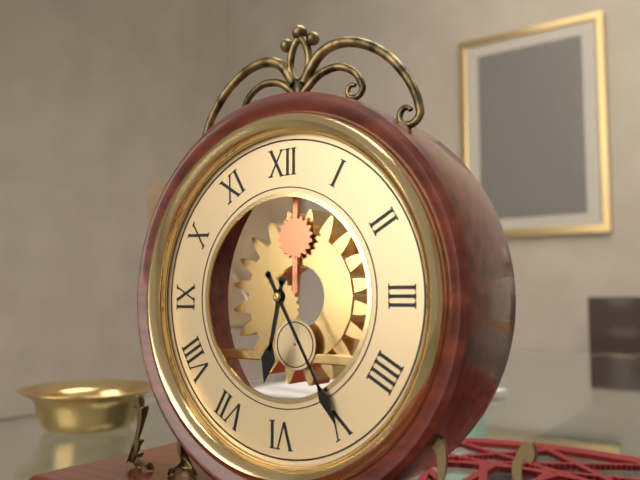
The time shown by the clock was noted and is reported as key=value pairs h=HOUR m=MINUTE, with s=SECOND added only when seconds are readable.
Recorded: h=6 m=25
